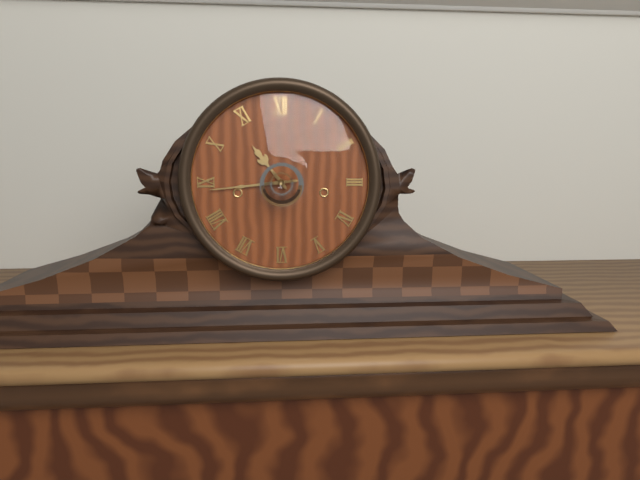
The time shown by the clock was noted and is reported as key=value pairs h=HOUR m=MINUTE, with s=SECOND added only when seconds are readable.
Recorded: h=10 m=44
